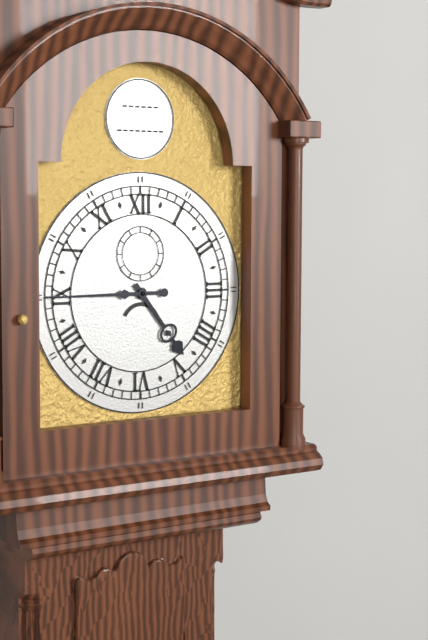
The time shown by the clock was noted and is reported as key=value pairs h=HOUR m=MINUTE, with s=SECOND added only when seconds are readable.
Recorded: h=4 m=45
